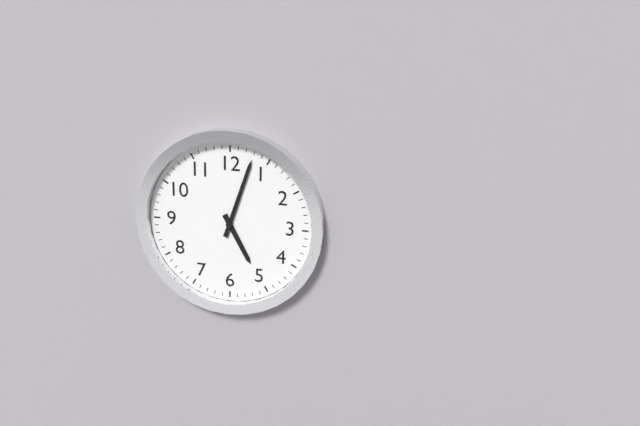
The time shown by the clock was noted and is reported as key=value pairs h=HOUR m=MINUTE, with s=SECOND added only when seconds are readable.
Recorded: h=5 m=3
